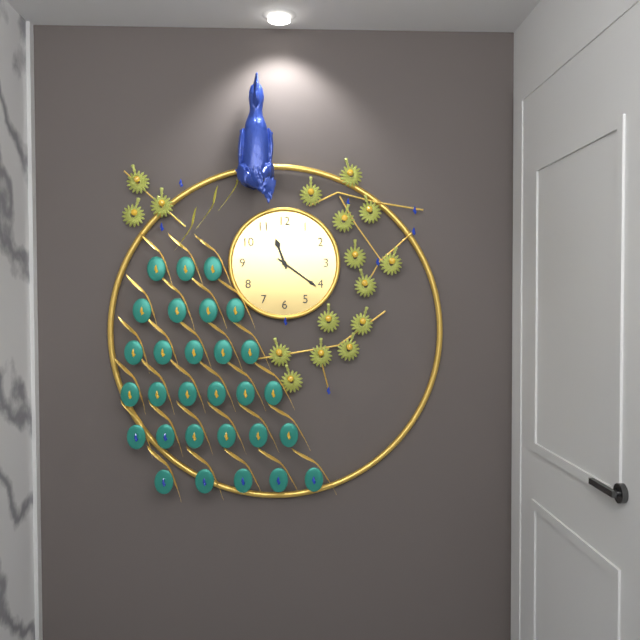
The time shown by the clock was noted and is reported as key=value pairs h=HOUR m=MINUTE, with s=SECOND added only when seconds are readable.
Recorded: h=11 m=21
